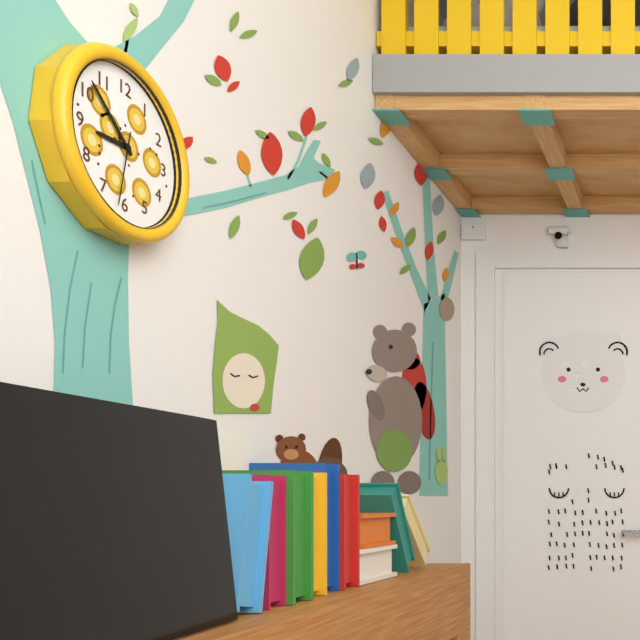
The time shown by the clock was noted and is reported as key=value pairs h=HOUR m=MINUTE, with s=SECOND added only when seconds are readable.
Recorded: h=8 m=52 s=32
